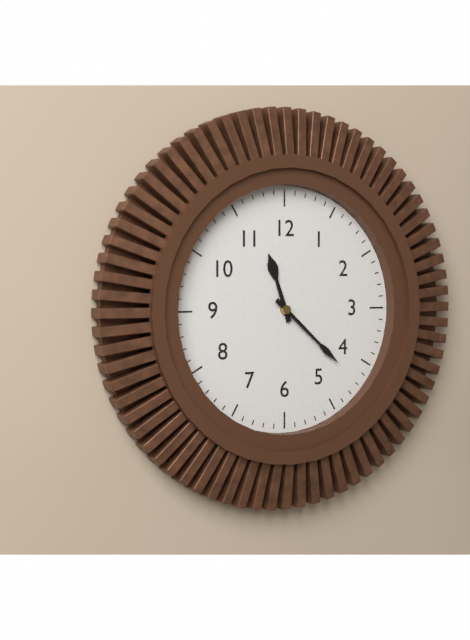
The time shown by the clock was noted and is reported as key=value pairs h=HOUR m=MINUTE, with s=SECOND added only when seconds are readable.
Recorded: h=11 m=22
